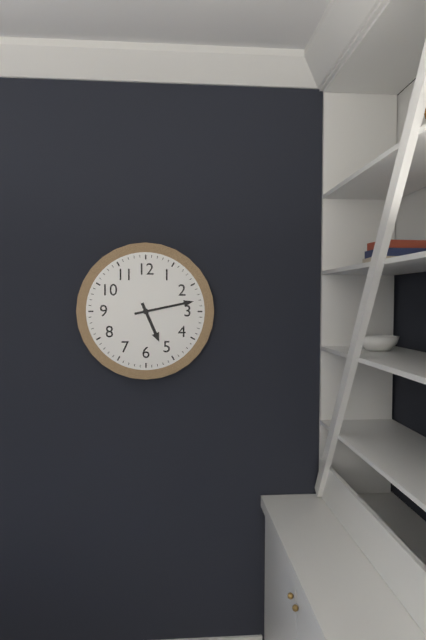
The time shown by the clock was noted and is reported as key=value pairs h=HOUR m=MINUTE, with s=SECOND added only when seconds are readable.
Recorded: h=5 m=13
